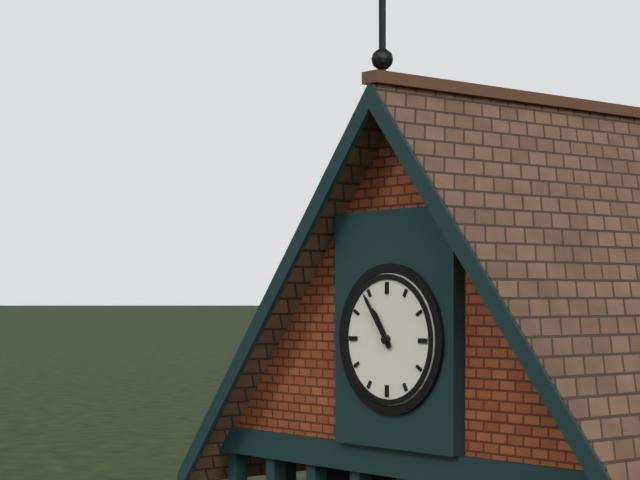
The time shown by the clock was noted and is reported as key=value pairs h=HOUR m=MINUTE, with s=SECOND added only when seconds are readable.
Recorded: h=10 m=54
